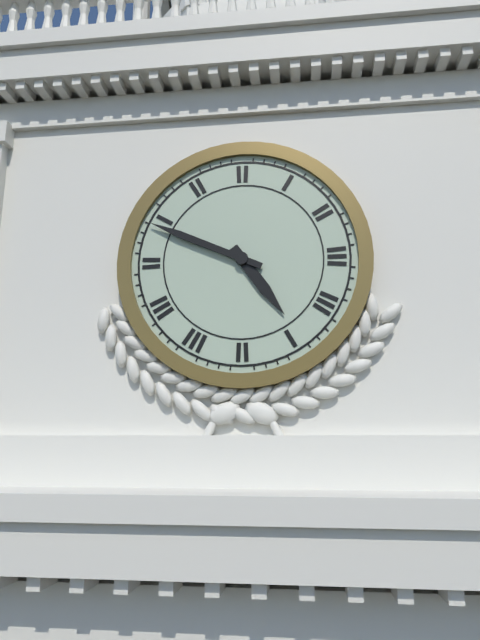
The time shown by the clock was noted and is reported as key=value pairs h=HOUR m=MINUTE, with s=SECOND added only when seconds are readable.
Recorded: h=4 m=49
